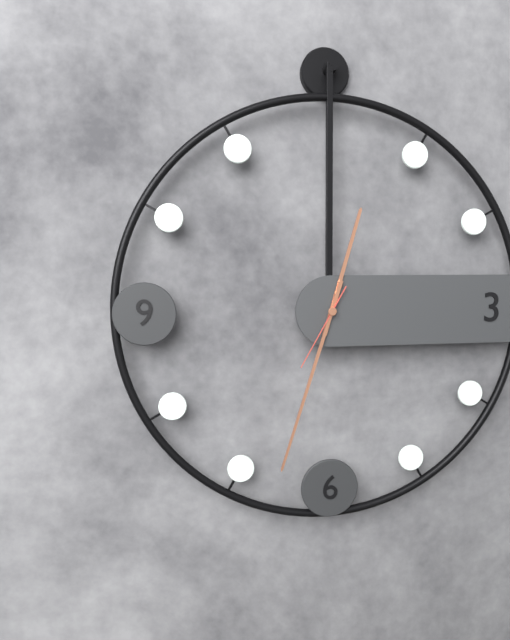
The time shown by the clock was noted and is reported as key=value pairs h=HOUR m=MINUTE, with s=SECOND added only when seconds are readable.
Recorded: h=12 m=33 s=35
